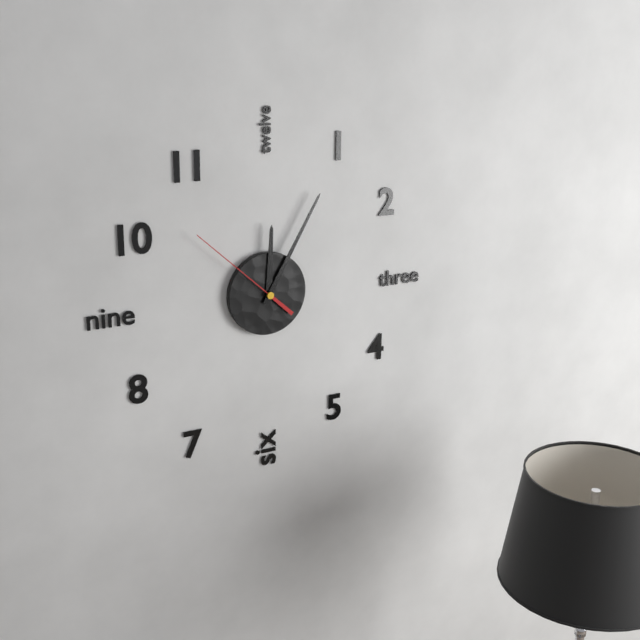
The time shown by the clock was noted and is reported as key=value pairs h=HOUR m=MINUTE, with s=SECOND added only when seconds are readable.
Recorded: h=12 m=5 s=52
